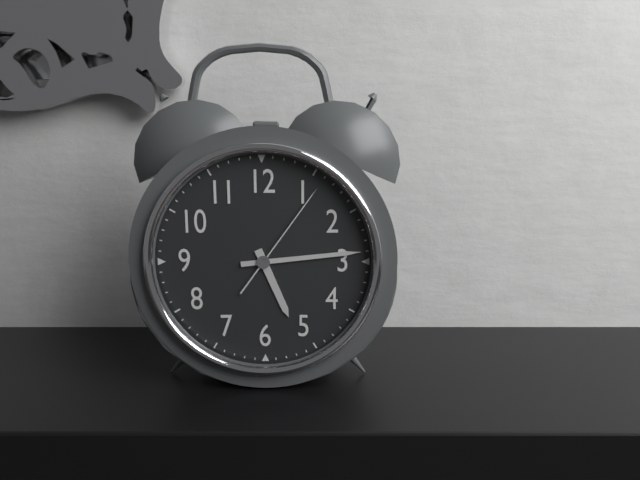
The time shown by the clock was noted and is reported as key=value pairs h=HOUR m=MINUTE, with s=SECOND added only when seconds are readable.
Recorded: h=5 m=14 s=6
